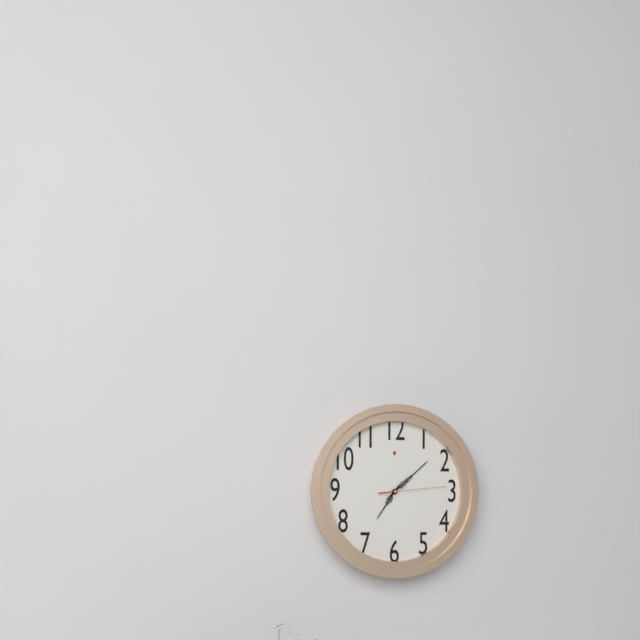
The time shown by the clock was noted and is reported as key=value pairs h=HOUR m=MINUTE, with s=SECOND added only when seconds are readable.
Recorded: h=7 m=8 s=14
